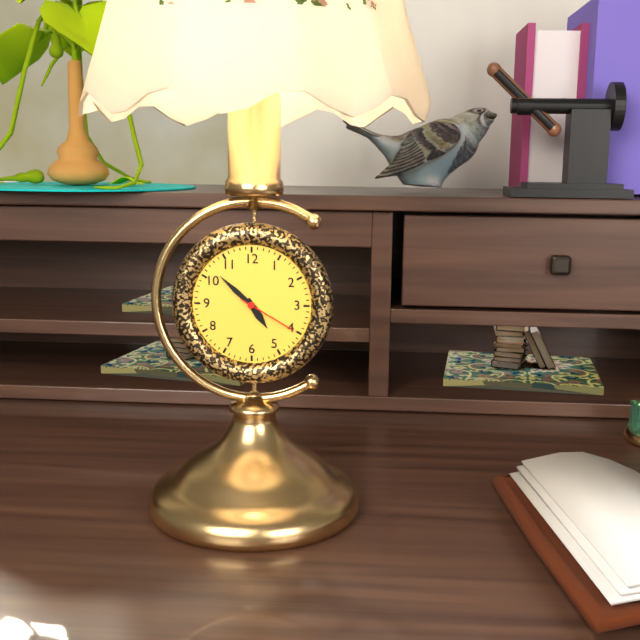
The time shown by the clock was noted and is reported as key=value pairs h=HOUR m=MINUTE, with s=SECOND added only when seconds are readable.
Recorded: h=4 m=52 s=20
